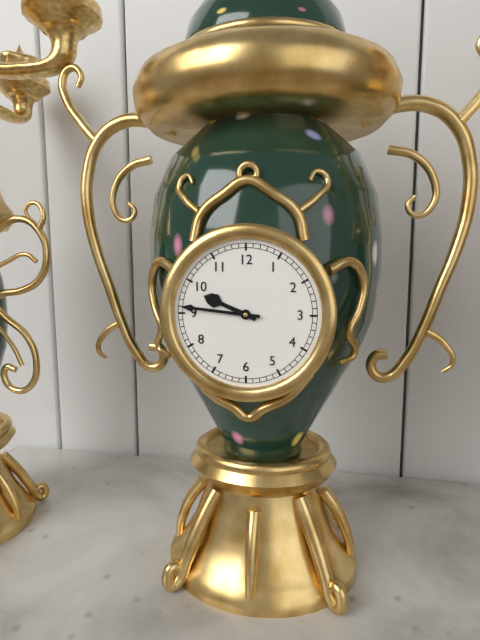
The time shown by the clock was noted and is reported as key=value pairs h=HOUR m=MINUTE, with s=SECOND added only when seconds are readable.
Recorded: h=9 m=46
